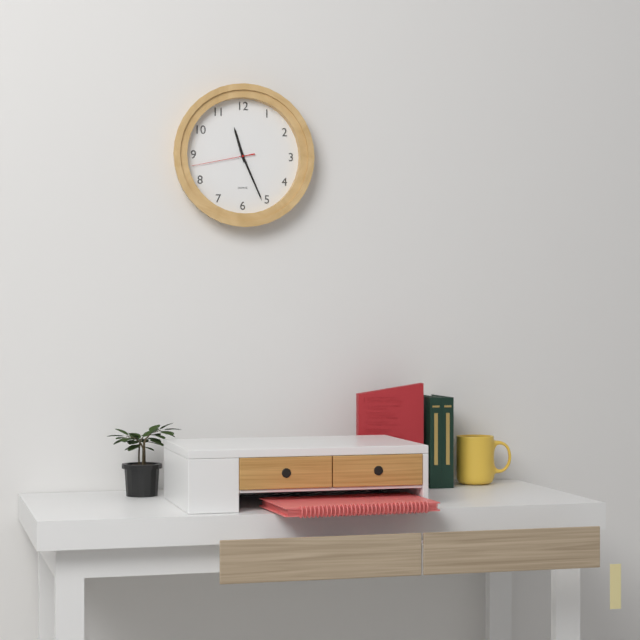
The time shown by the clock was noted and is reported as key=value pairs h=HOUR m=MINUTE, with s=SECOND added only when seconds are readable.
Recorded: h=11 m=26 s=43
